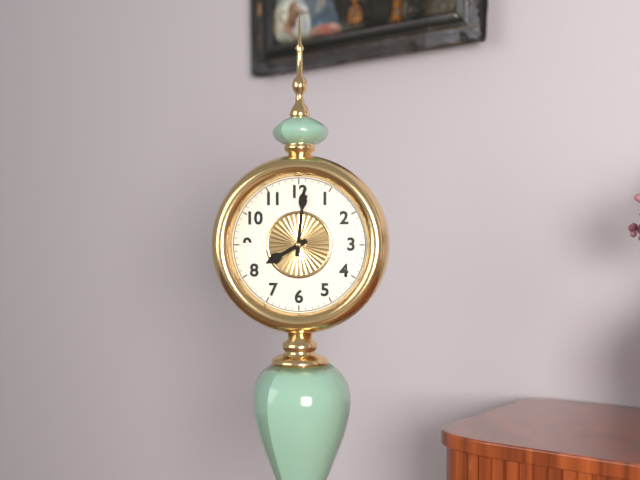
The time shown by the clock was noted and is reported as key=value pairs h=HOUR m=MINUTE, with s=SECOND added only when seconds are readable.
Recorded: h=8 m=1
